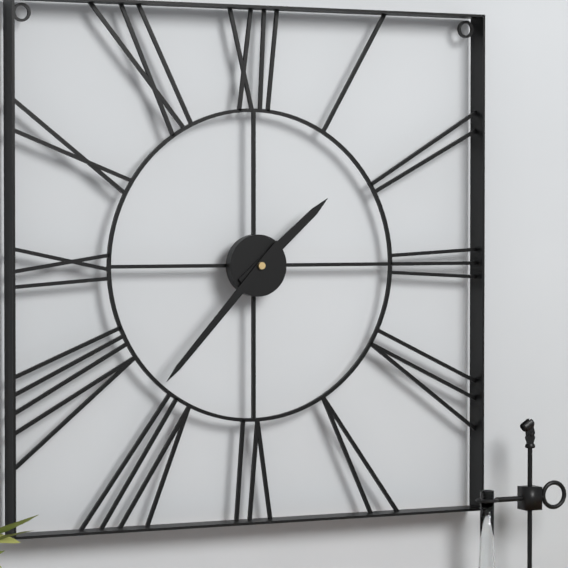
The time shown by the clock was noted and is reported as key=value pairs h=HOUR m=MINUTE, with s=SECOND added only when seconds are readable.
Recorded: h=1 m=37
